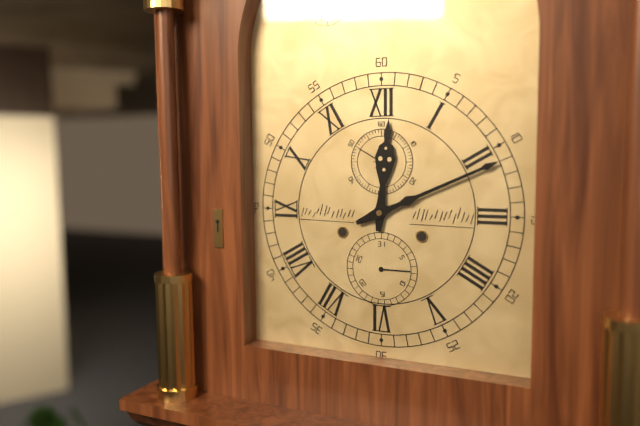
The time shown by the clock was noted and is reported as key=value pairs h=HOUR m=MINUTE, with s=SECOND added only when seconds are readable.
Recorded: h=12 m=11
